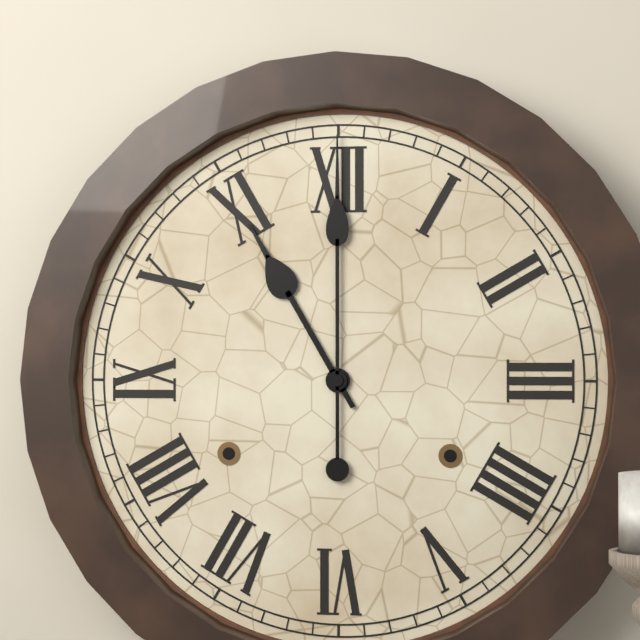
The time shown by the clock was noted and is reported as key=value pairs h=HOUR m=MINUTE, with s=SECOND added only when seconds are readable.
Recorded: h=11 m=0
